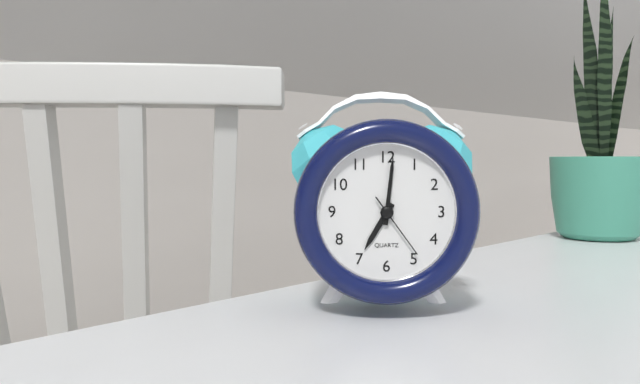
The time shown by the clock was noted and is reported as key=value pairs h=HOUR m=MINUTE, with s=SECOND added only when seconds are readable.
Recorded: h=7 m=1 s=24
